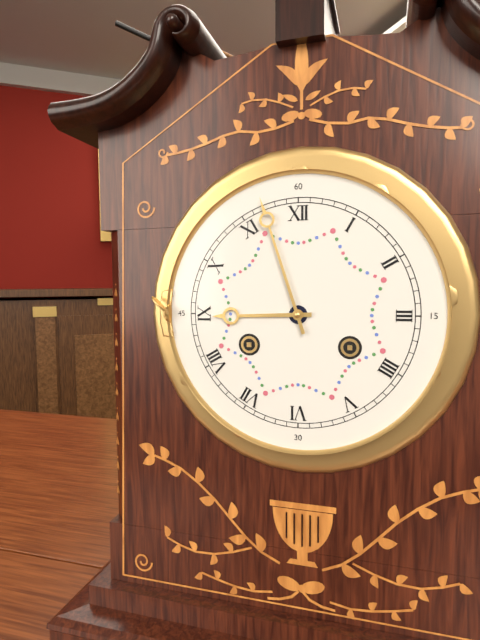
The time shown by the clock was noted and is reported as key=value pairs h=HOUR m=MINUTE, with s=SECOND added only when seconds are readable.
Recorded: h=8 m=57
